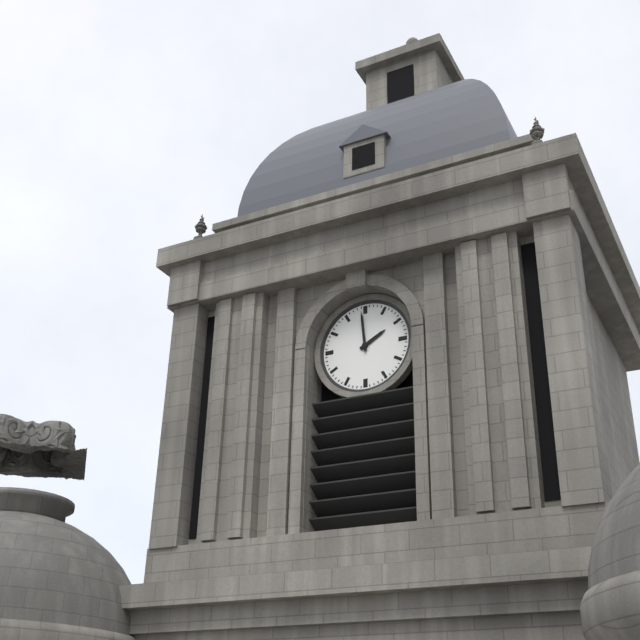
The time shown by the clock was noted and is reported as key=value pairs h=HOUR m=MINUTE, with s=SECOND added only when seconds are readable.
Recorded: h=1 m=59
